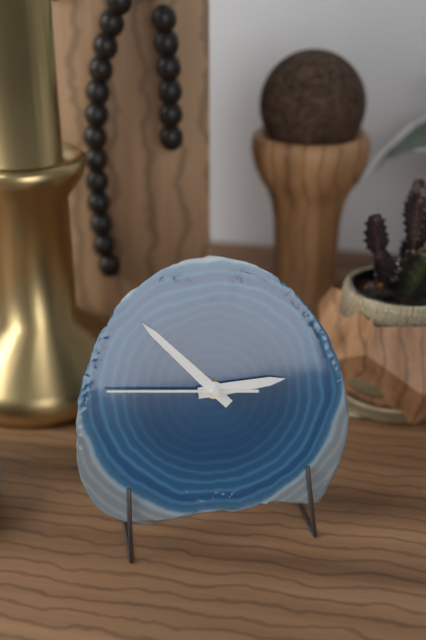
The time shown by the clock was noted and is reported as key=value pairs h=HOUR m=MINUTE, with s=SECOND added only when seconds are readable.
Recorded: h=2 m=53 s=46
